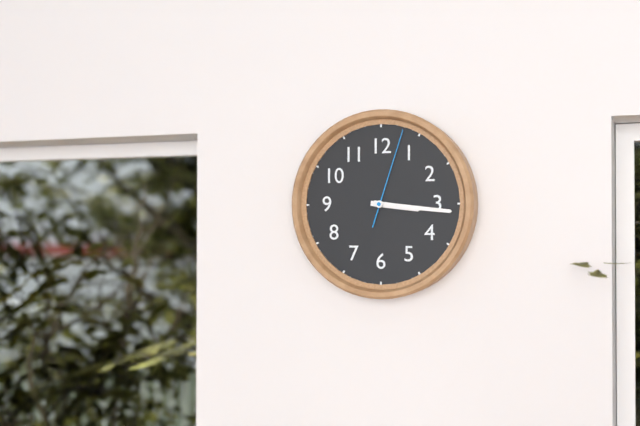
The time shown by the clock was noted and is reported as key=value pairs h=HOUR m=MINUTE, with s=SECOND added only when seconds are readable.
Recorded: h=3 m=16 s=3
